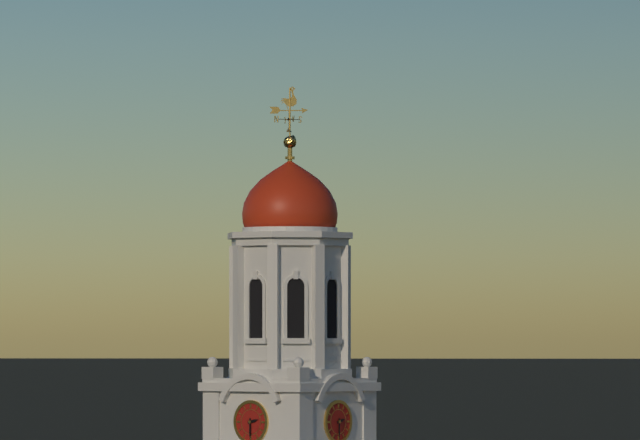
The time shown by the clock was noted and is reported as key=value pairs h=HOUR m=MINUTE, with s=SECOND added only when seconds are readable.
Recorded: h=2 m=30
